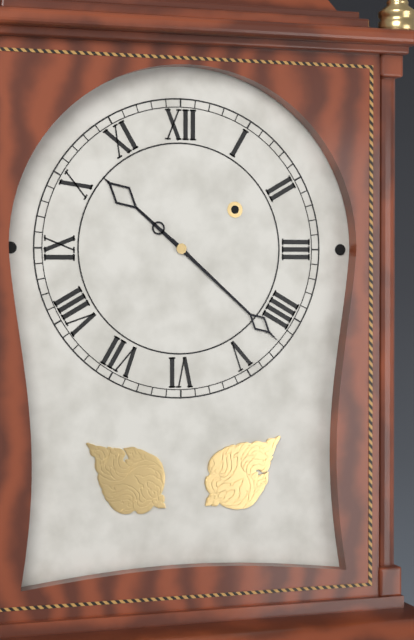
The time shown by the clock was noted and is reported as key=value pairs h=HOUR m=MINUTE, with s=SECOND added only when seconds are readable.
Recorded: h=10 m=22
